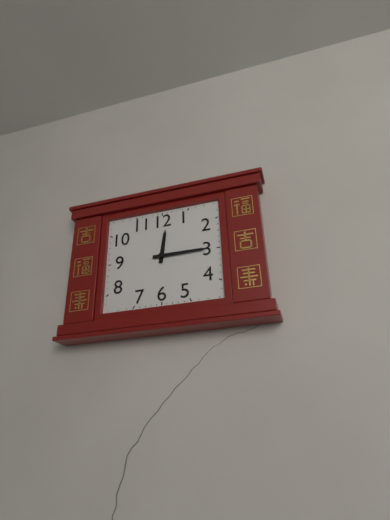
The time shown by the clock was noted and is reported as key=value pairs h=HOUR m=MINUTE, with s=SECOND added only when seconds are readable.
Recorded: h=12 m=15
